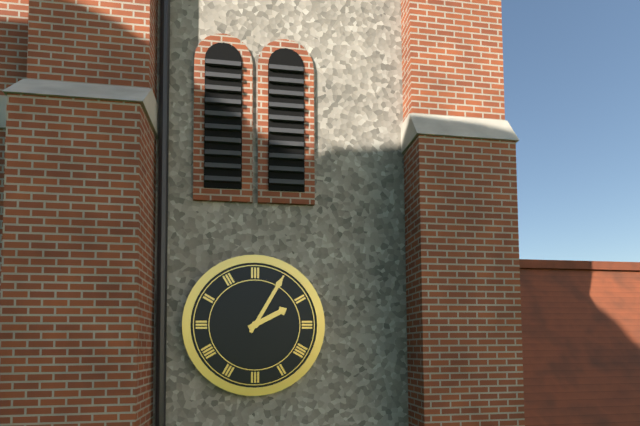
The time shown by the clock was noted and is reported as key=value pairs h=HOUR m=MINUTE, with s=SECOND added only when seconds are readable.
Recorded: h=2 m=5
